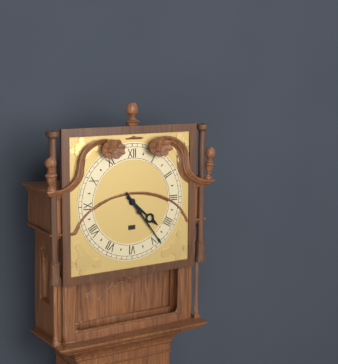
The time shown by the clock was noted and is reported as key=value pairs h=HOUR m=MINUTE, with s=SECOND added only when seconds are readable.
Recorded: h=4 m=24
